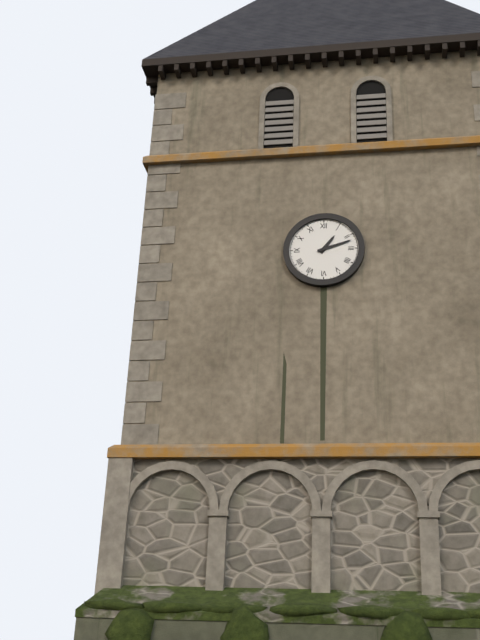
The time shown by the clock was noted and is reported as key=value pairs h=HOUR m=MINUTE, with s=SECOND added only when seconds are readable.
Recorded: h=1 m=12
